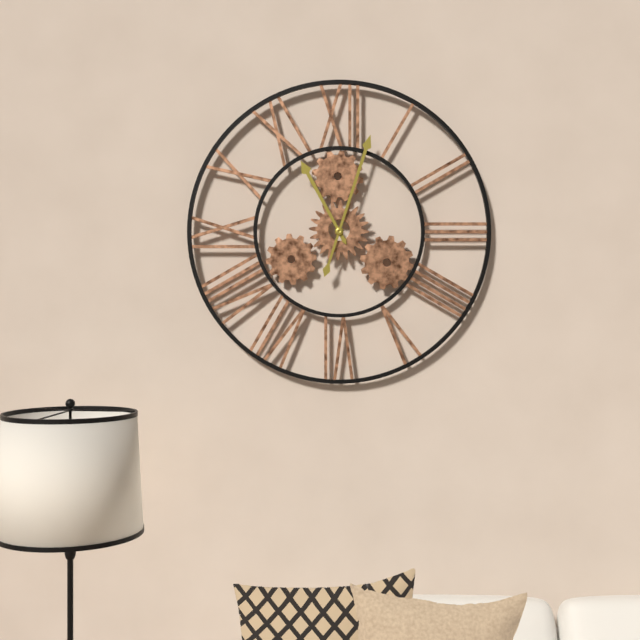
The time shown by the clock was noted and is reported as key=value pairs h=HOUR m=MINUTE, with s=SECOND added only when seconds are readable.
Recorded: h=11 m=3
